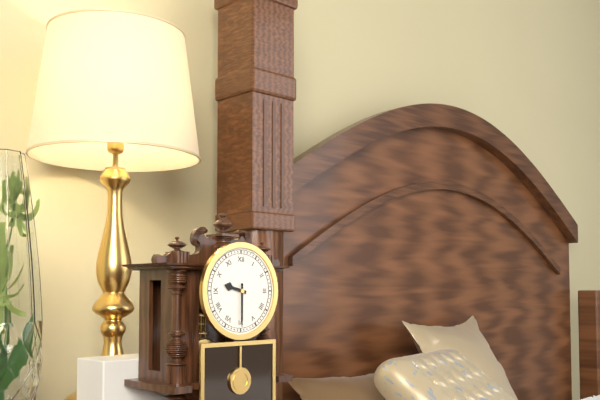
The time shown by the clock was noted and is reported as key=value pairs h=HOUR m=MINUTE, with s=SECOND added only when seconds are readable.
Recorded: h=9 m=30
